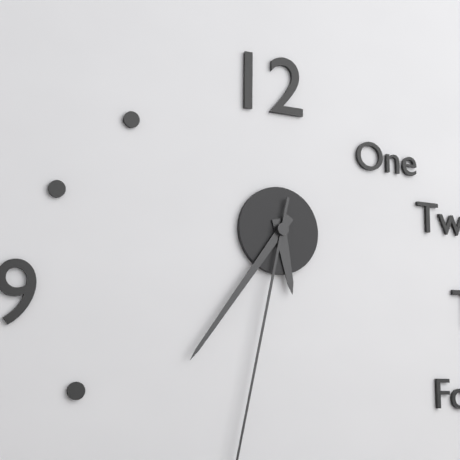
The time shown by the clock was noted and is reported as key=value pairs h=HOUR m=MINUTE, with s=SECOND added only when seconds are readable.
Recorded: h=5 m=36
